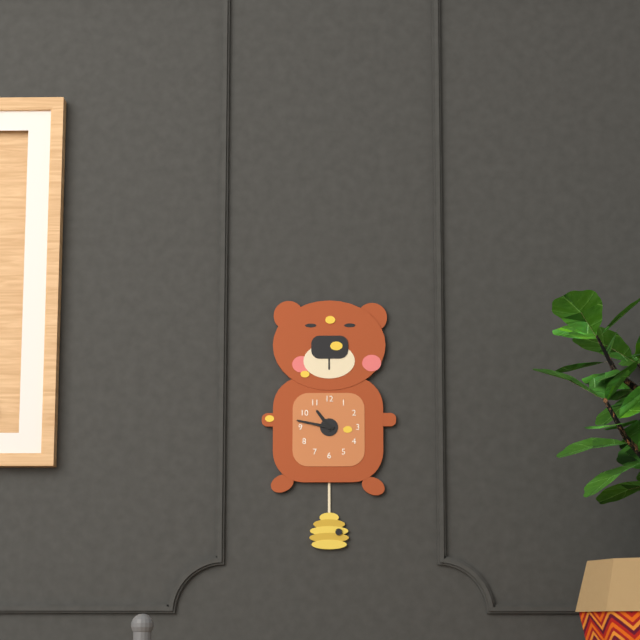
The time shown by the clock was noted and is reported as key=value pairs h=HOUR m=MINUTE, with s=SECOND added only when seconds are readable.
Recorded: h=10 m=47
